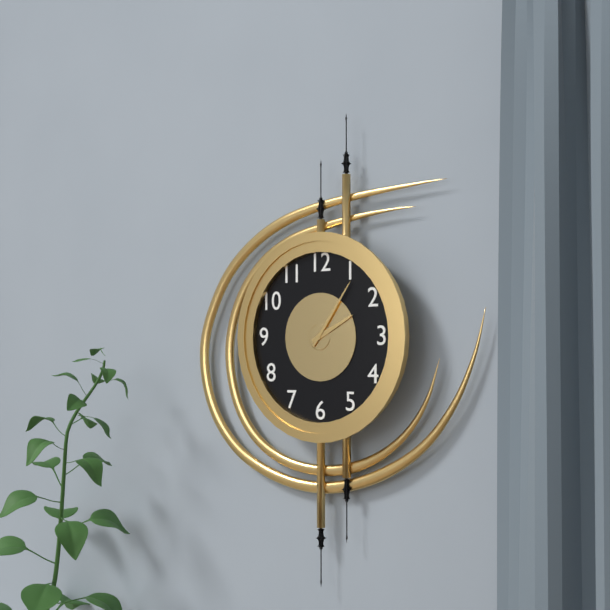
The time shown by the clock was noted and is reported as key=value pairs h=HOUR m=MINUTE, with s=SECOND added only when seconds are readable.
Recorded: h=2 m=6
